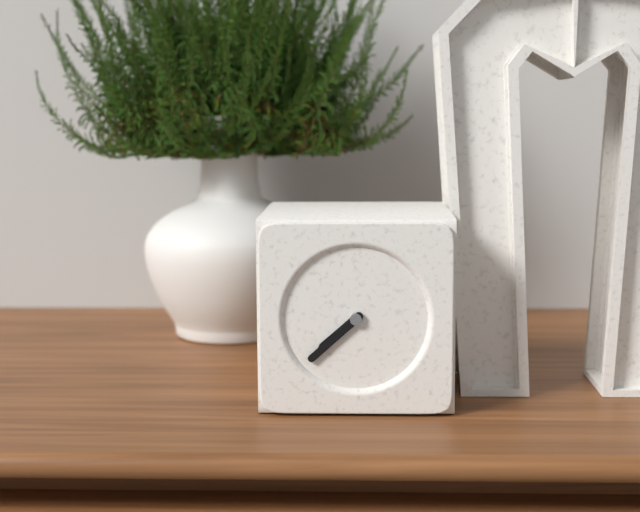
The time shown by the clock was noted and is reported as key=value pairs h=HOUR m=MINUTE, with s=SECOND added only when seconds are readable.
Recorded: h=7 m=38
